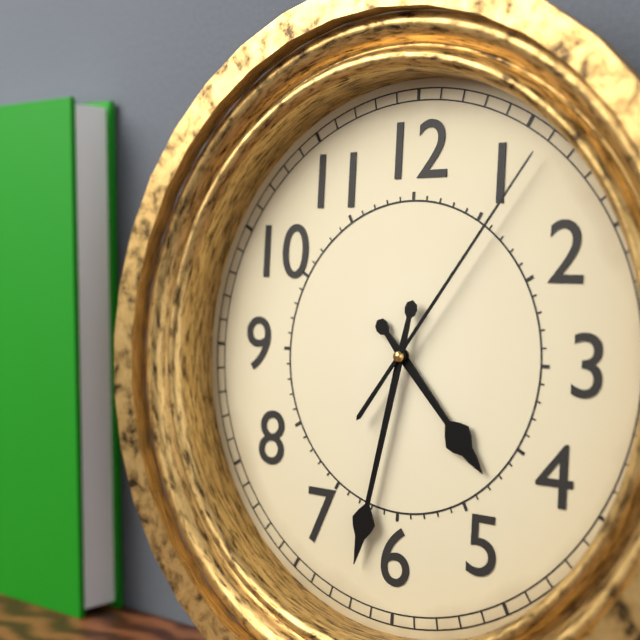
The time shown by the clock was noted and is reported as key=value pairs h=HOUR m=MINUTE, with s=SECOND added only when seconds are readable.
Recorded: h=4 m=32 s=6
